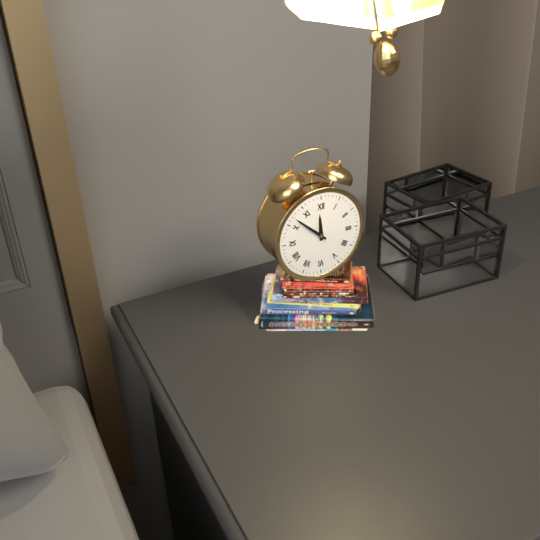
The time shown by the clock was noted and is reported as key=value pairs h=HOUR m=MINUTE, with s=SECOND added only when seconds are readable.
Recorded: h=11 m=52
